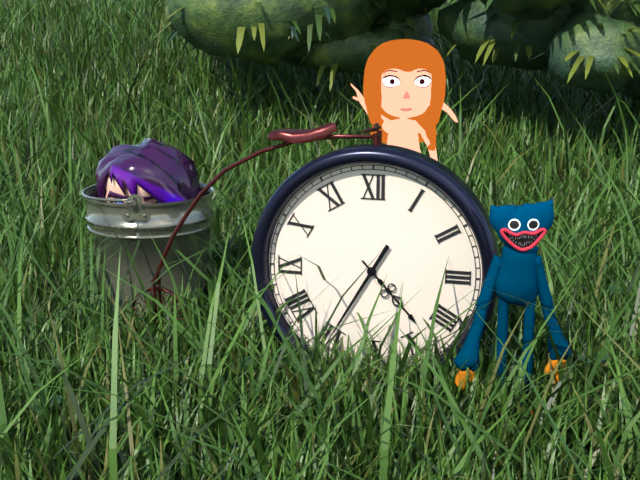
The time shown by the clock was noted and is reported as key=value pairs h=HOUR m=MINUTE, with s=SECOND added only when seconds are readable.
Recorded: h=4 m=35
